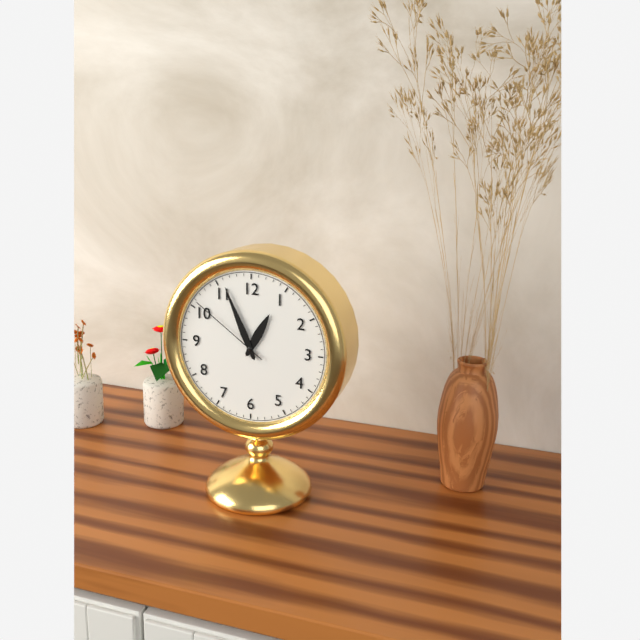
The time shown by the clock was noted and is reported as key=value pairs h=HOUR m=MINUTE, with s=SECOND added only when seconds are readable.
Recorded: h=12 m=56 s=51
